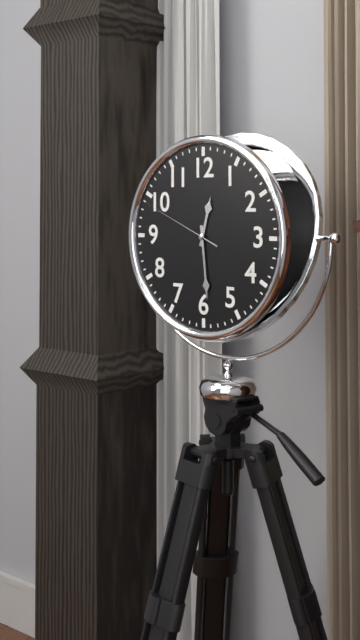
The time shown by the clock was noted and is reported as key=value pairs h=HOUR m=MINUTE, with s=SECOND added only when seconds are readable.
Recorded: h=12 m=29 s=49
